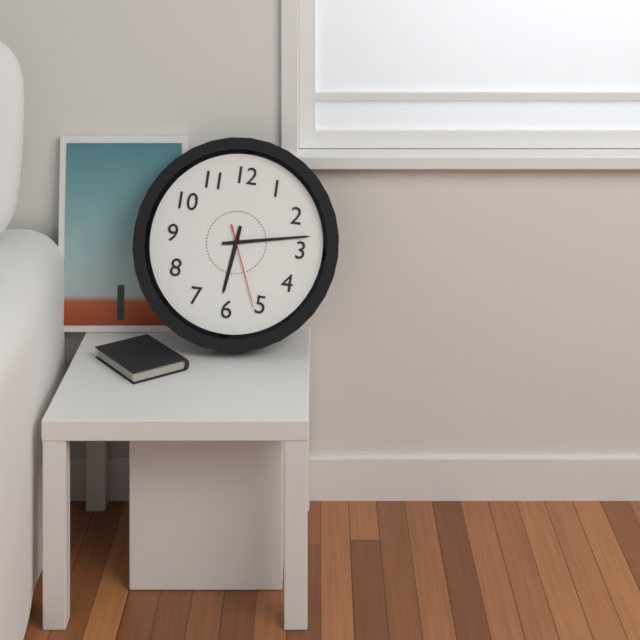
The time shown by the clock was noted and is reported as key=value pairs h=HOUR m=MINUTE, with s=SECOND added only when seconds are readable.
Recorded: h=6 m=13 s=26
